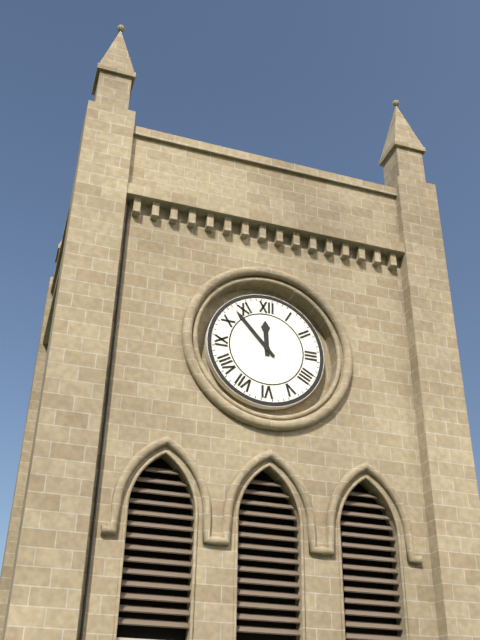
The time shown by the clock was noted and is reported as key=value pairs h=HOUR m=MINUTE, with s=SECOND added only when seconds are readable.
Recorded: h=11 m=53
